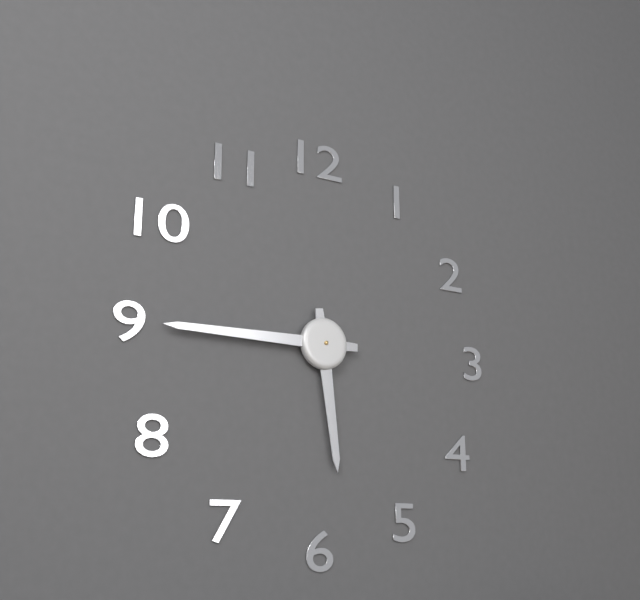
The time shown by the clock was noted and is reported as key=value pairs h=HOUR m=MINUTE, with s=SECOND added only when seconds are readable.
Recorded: h=5 m=45
